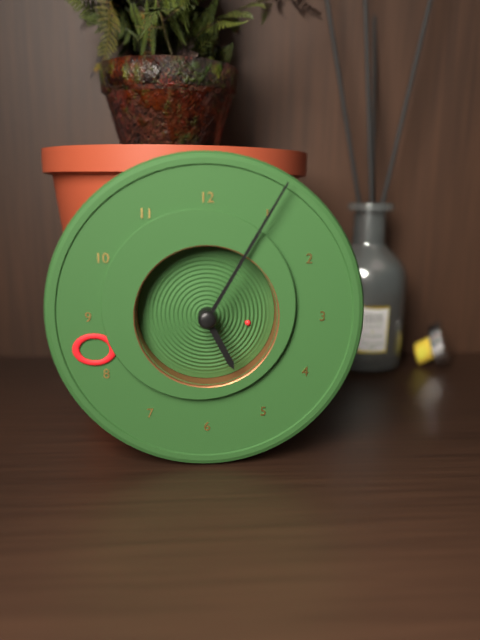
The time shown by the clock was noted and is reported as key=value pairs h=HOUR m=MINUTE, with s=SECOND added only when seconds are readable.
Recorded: h=5 m=5 s=17
